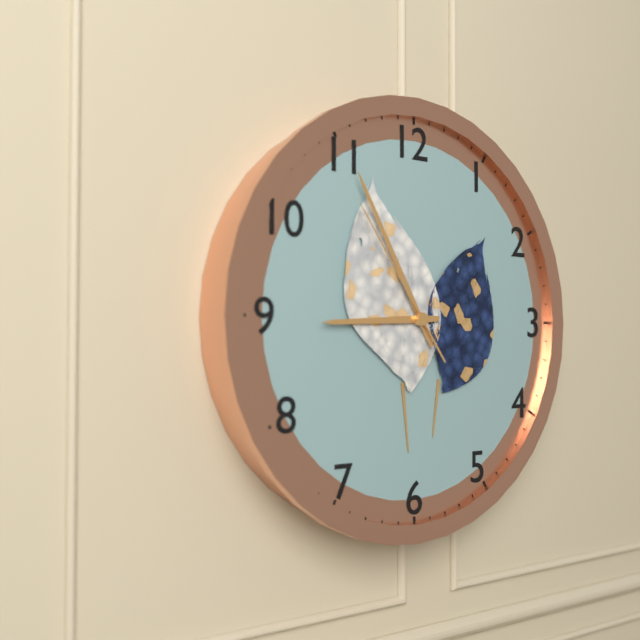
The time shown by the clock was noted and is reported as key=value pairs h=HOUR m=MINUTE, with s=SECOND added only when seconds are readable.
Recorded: h=8 m=55 s=54
